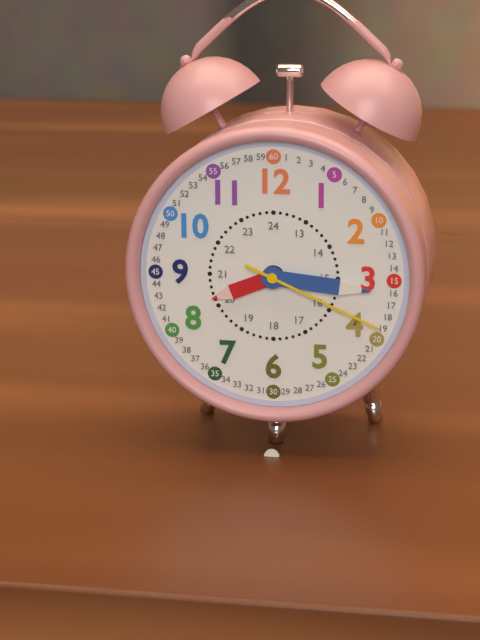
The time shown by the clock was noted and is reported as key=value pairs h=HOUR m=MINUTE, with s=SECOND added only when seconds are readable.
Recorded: h=8 m=16 s=19
